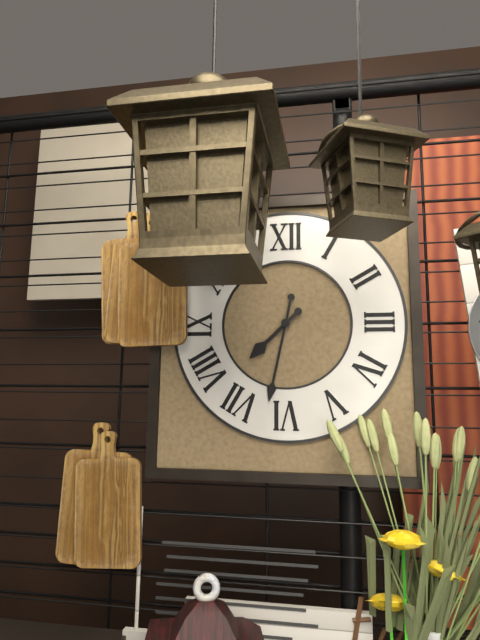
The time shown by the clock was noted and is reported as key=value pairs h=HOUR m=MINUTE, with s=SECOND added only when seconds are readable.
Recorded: h=7 m=32
